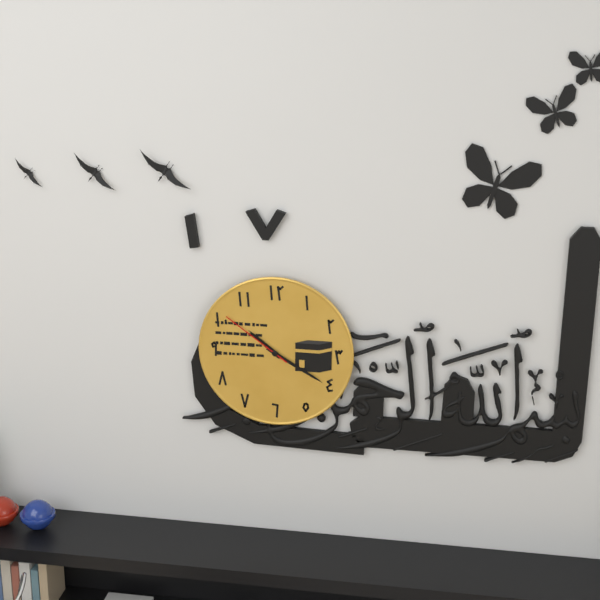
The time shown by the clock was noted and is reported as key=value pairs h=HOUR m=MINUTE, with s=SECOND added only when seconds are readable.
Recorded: h=10 m=20 s=51
